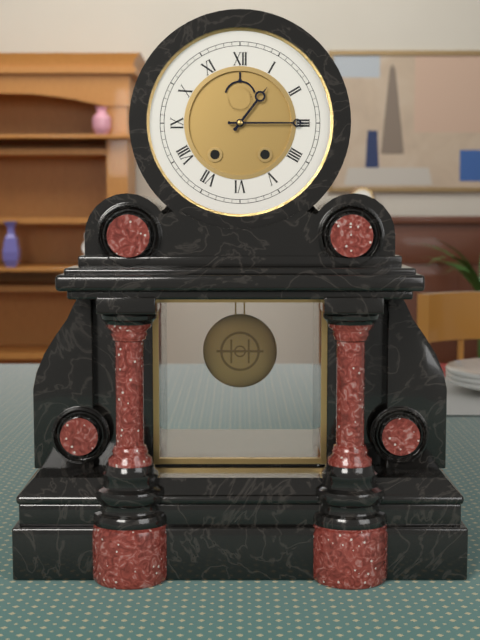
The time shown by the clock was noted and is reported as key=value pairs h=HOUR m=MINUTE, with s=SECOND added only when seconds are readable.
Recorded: h=1 m=15
